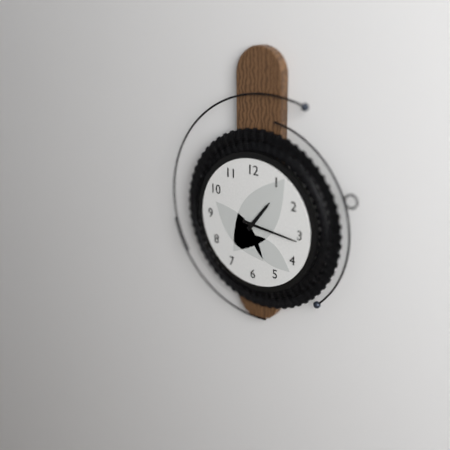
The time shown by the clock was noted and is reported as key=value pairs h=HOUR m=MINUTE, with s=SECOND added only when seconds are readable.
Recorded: h=1 m=16
